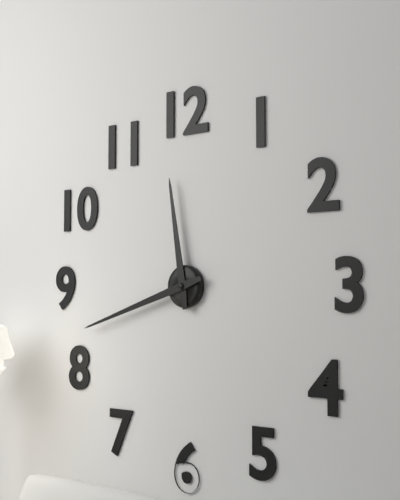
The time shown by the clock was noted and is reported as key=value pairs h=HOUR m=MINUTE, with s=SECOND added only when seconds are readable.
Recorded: h=11 m=42
